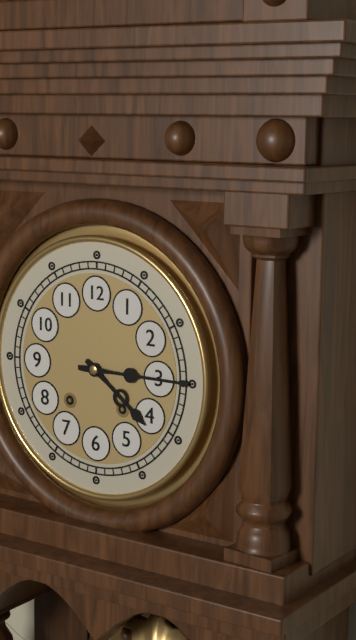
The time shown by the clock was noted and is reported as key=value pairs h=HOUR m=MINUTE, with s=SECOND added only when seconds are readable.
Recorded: h=4 m=15
